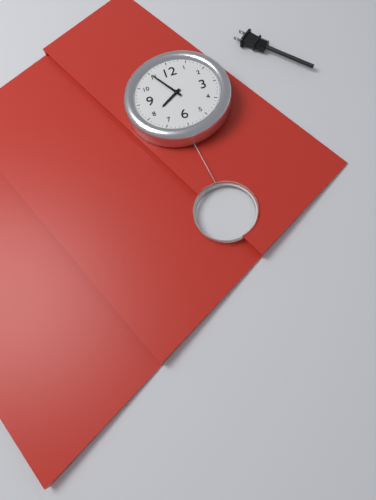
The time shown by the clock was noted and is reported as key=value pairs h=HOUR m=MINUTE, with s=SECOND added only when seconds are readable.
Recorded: h=7 m=55
